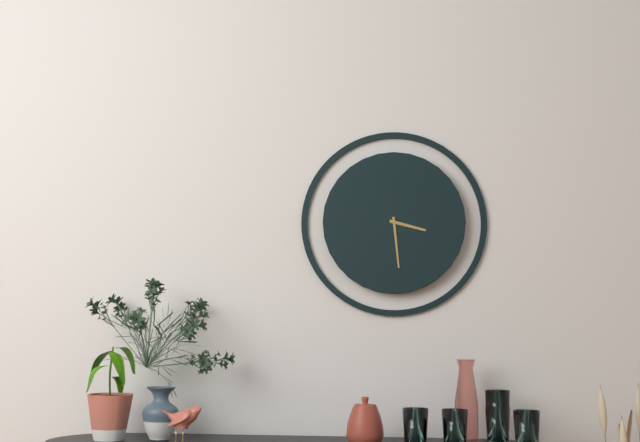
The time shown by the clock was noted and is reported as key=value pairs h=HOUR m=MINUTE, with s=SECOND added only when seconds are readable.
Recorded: h=3 m=29
